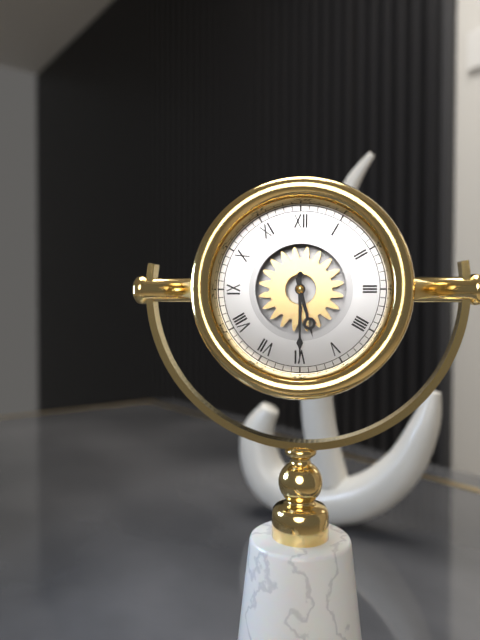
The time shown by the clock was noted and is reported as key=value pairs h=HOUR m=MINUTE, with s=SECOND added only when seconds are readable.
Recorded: h=5 m=30
